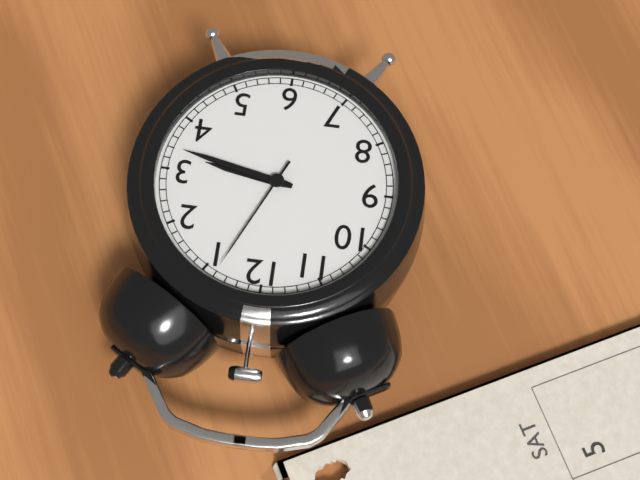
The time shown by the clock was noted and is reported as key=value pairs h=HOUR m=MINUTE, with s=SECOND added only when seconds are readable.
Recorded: h=3 m=17 s=4
